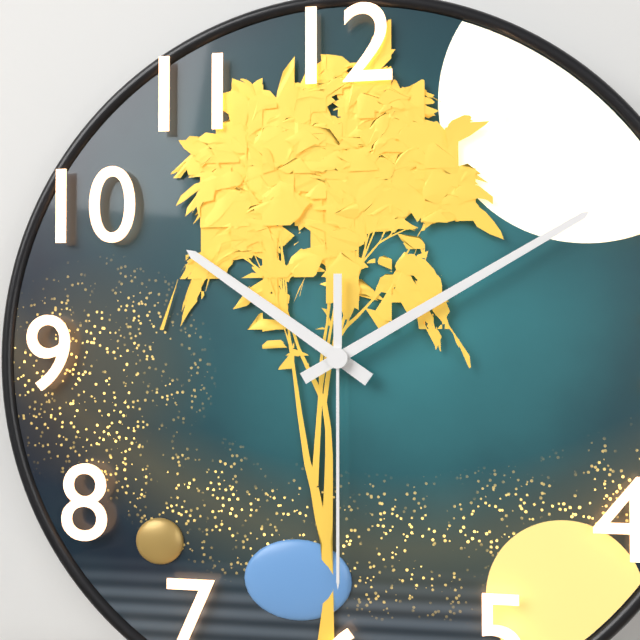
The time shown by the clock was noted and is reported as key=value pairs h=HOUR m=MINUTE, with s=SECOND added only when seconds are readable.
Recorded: h=10 m=10 s=30
